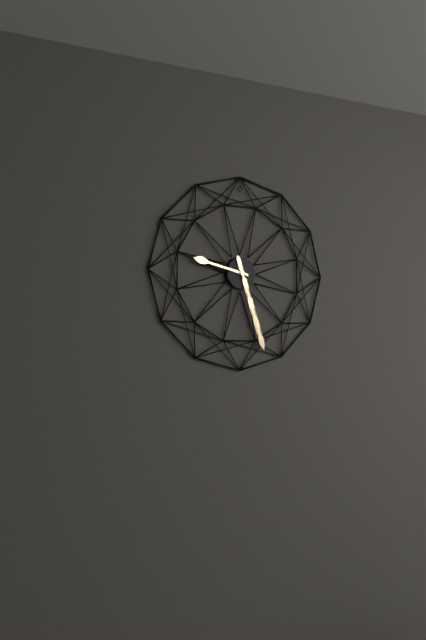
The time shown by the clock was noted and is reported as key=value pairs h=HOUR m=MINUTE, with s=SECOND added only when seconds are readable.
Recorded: h=9 m=27
